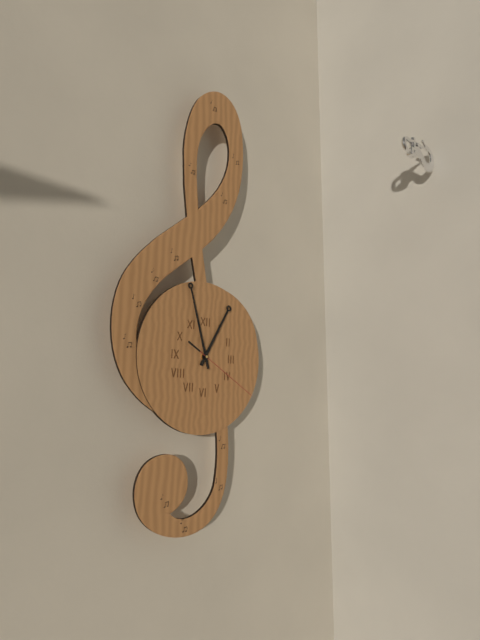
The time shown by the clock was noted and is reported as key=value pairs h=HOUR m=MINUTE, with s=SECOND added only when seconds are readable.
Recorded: h=12 m=57 s=20
